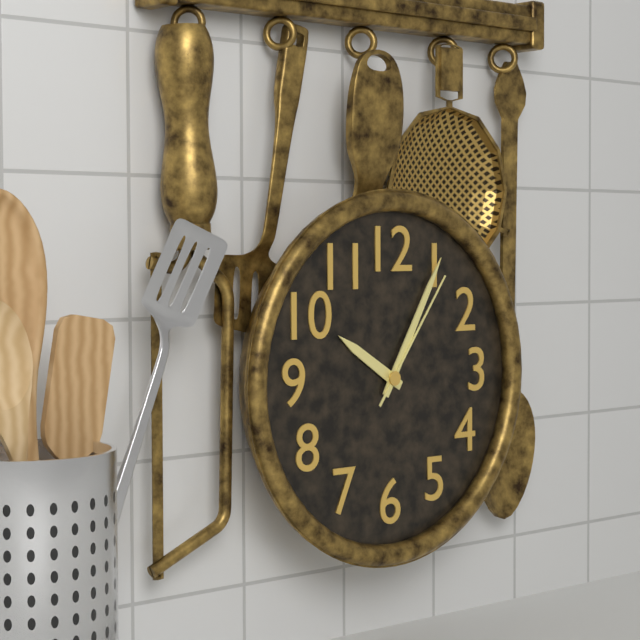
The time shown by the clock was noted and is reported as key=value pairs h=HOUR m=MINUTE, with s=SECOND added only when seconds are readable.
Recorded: h=10 m=5 s=6
